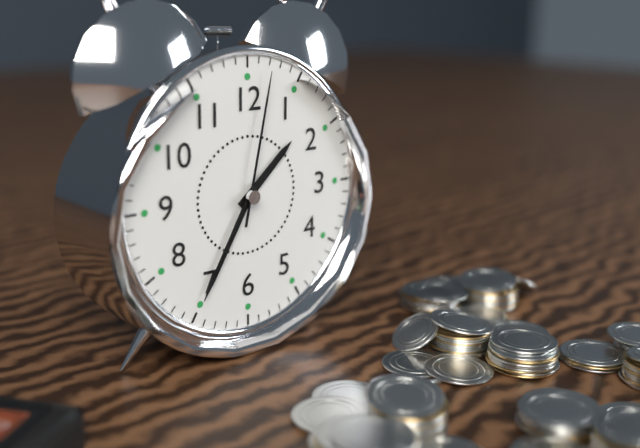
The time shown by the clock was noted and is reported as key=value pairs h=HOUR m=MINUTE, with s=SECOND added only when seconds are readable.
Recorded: h=1 m=35 s=2
